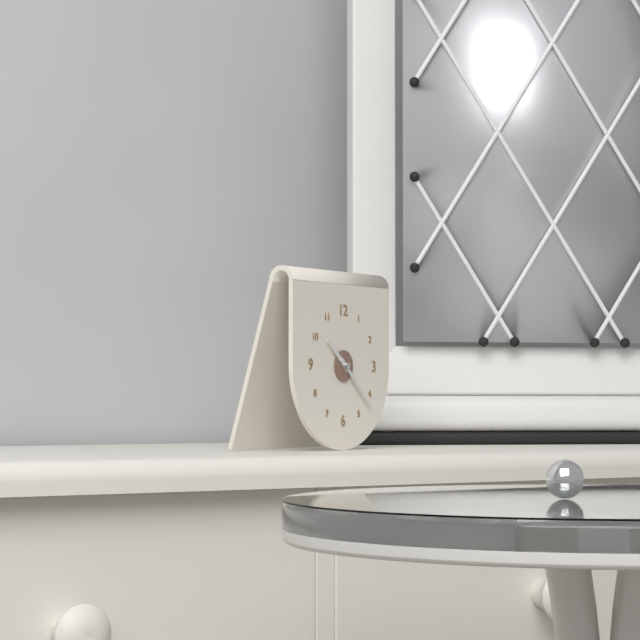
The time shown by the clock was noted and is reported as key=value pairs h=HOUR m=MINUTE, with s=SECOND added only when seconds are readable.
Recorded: h=10 m=22
